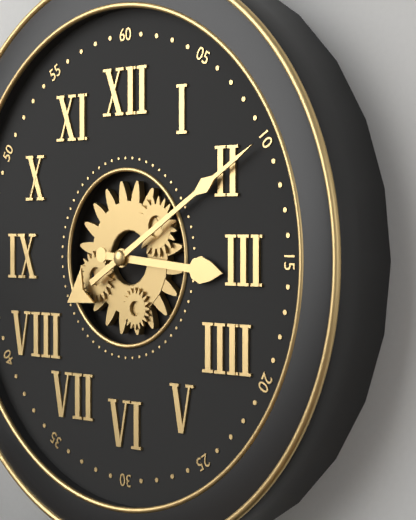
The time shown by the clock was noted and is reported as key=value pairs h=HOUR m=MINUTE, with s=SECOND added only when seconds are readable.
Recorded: h=3 m=10
